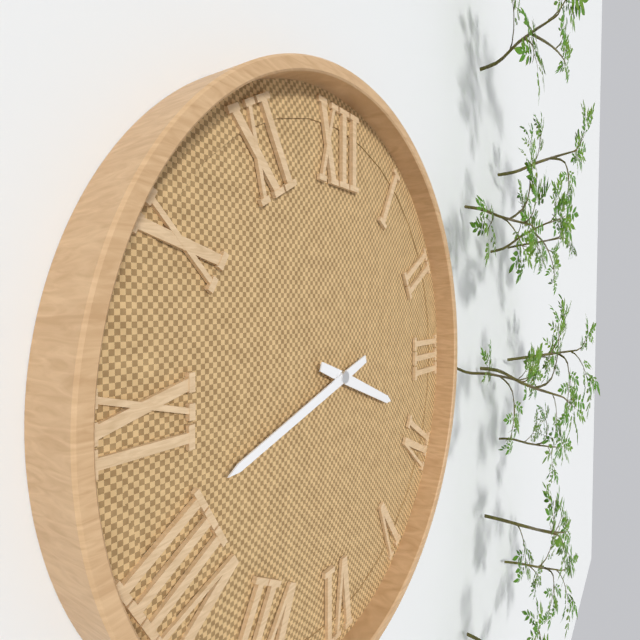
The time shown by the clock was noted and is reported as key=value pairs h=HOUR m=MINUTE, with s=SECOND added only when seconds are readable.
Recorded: h=3 m=42
